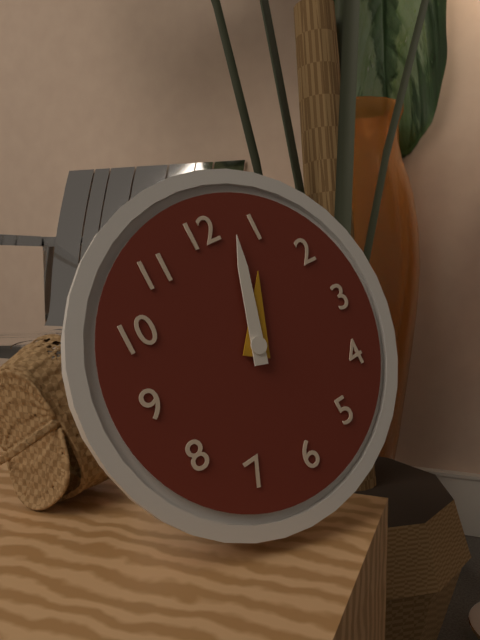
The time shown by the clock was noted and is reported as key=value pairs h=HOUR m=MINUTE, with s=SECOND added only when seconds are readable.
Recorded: h=1 m=3
